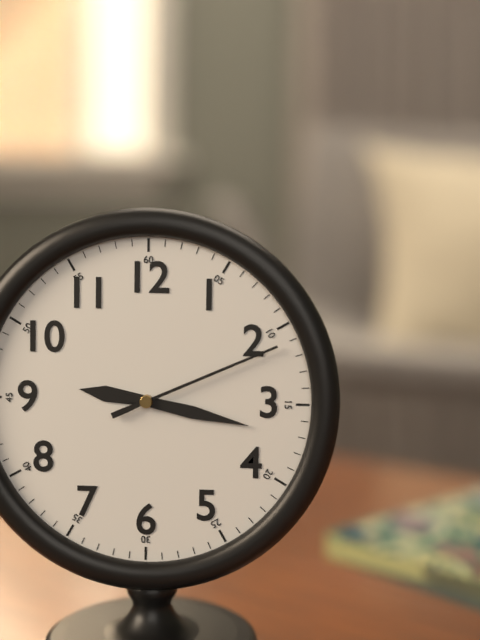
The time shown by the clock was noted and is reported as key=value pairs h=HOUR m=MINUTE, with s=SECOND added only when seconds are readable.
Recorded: h=9 m=17 s=11
